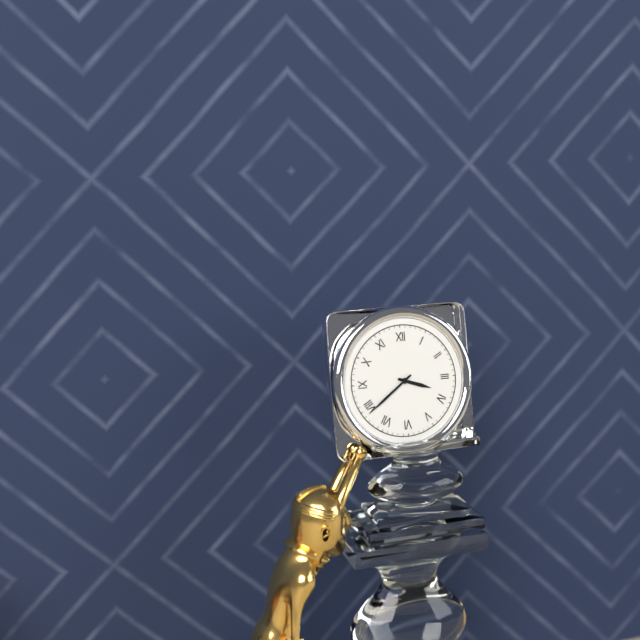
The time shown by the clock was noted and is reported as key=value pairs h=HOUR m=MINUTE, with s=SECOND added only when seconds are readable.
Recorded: h=3 m=39
